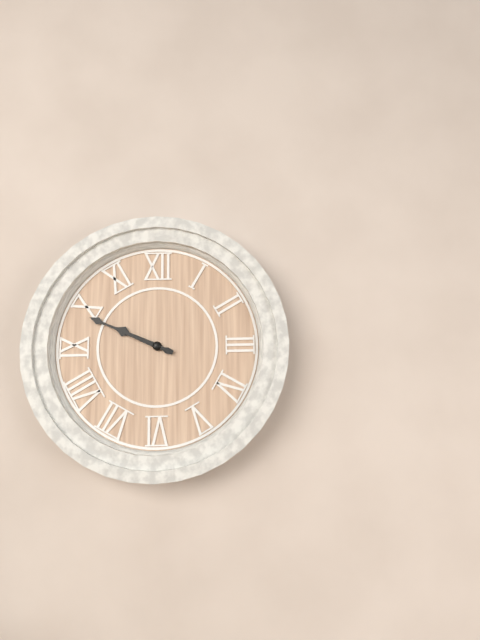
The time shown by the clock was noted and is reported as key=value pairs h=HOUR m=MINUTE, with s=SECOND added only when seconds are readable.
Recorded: h=9 m=49
